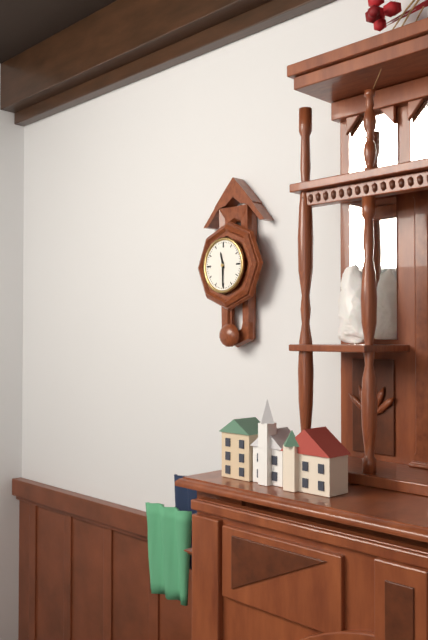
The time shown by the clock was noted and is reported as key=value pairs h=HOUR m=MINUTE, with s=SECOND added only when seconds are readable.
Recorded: h=11 m=30
